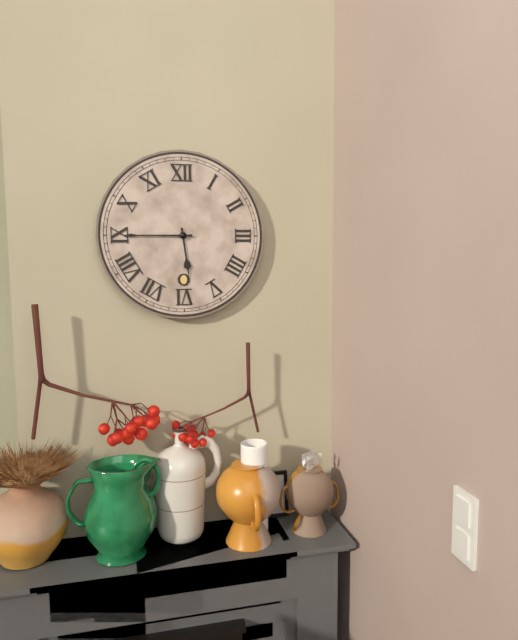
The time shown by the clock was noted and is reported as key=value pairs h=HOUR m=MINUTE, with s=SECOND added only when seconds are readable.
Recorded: h=5 m=45
